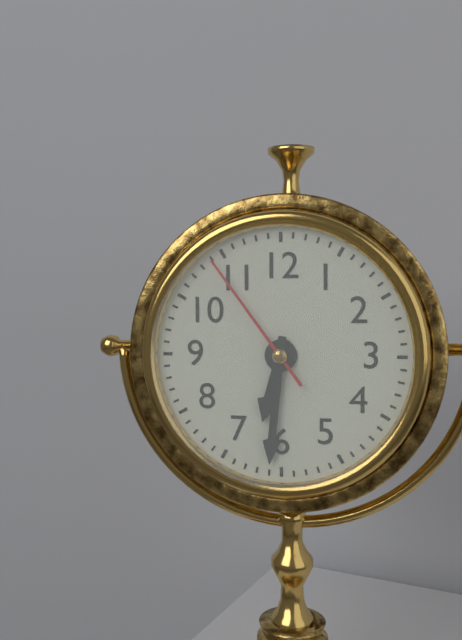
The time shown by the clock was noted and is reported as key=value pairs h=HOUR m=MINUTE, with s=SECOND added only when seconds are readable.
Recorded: h=6 m=31 s=54
